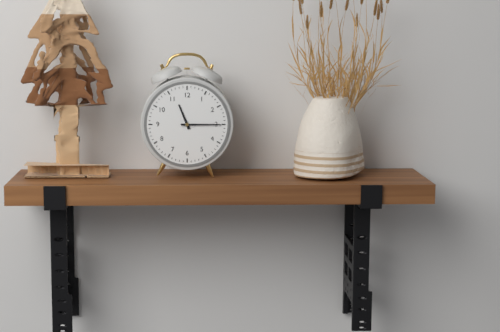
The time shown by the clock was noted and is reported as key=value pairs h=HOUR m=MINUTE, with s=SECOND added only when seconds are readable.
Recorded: h=11 m=15
